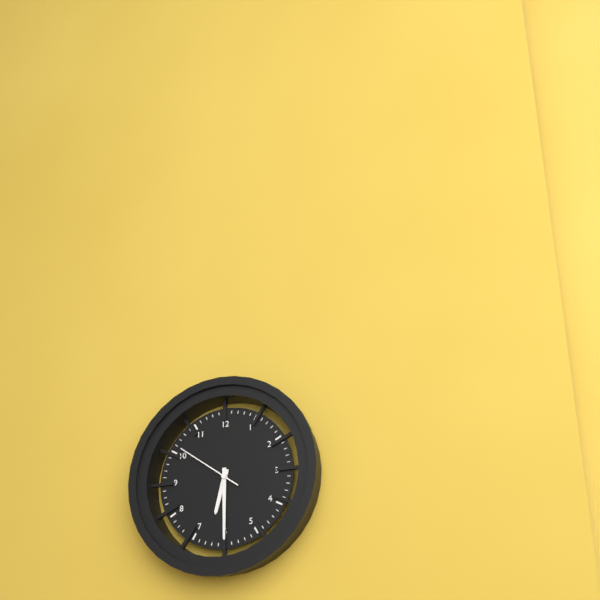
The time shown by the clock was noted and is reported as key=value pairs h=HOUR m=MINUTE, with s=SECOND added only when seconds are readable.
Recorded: h=6 m=30 s=51
